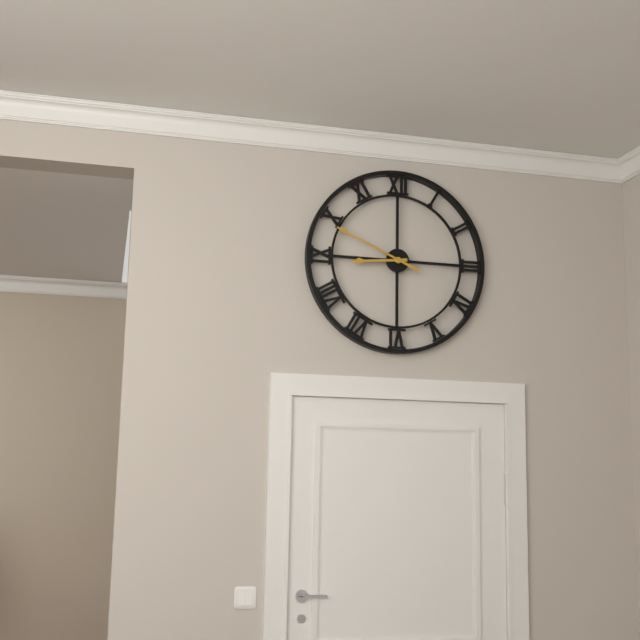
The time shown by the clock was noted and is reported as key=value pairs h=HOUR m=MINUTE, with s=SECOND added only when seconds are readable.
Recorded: h=8 m=49
